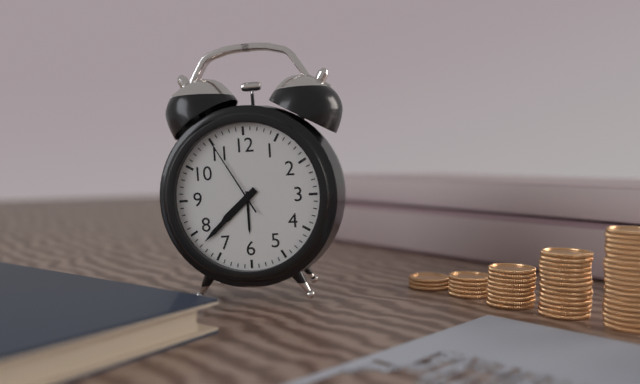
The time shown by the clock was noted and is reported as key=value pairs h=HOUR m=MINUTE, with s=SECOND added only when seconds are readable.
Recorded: h=7 m=38 s=55
